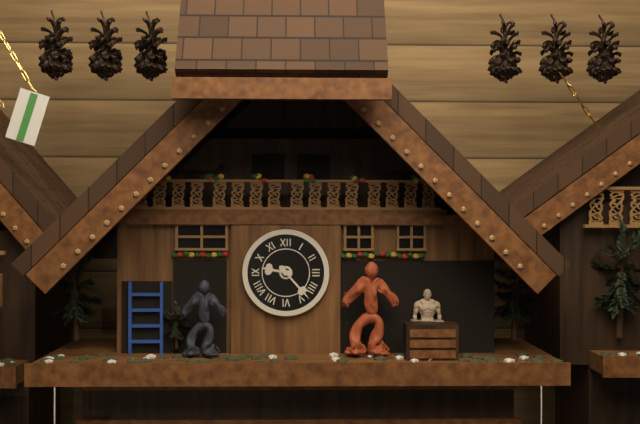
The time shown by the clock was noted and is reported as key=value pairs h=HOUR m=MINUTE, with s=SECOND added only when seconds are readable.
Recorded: h=9 m=23
